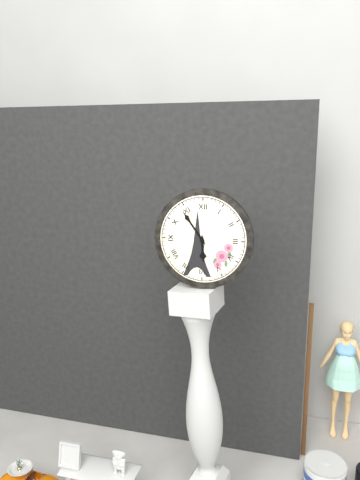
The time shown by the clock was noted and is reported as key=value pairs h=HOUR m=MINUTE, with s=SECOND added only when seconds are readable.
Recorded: h=5 m=54
